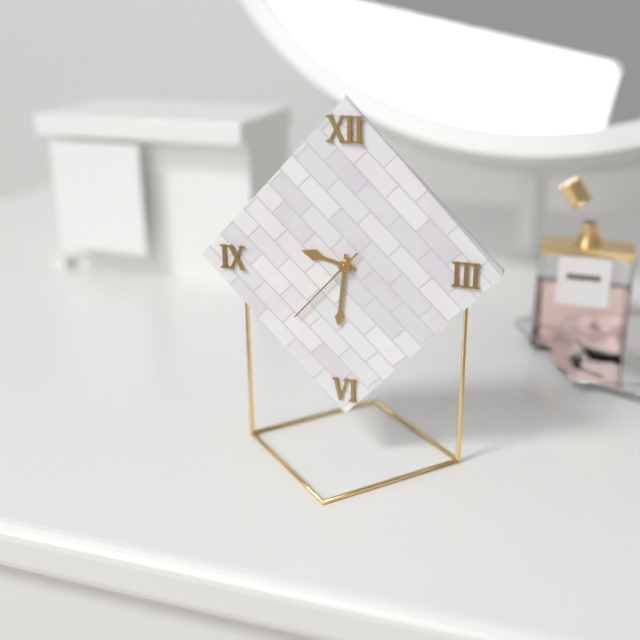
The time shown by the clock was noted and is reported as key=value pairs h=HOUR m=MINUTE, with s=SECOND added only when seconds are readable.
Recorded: h=9 m=31 s=37
